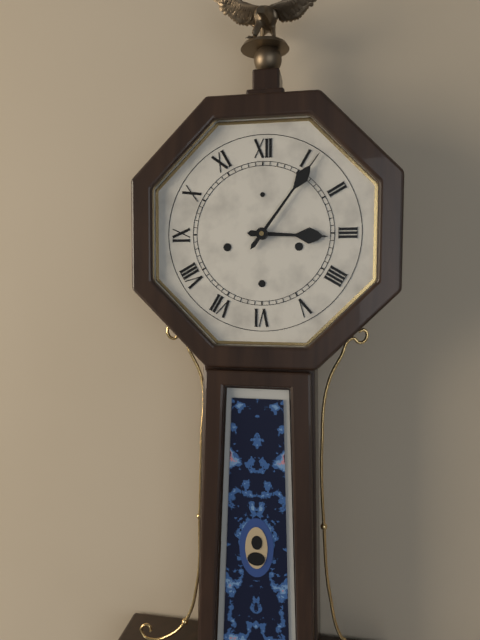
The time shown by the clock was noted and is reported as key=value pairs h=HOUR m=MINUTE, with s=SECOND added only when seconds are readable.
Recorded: h=3 m=6
